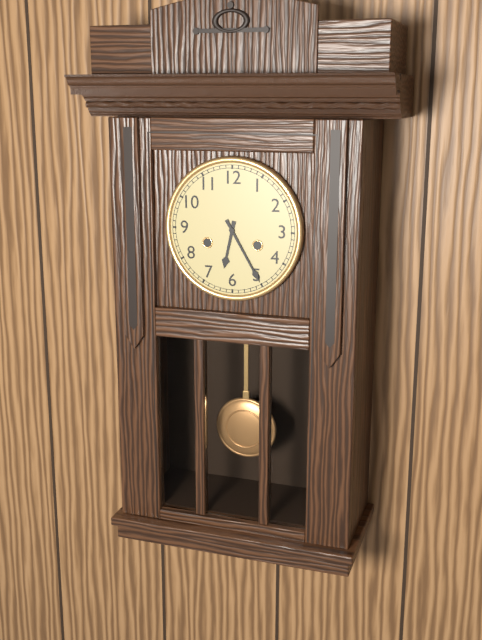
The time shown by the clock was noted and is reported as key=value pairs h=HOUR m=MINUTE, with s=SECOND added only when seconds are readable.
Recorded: h=6 m=25
